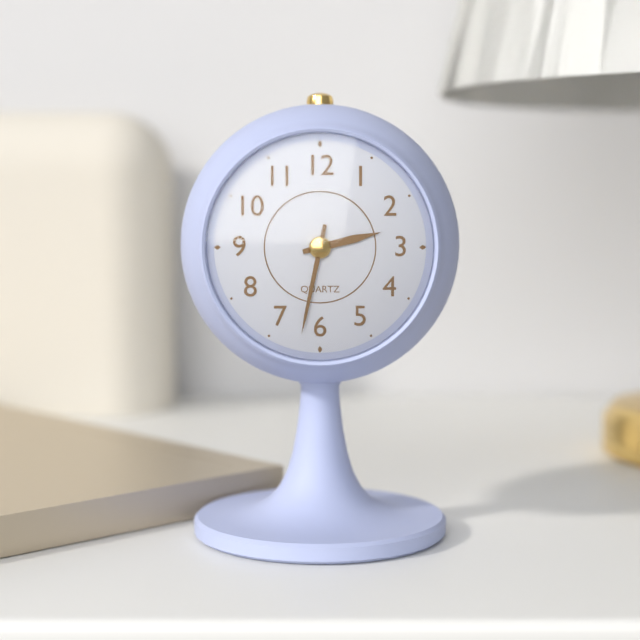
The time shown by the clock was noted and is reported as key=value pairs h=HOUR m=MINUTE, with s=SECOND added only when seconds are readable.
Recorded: h=2 m=32
